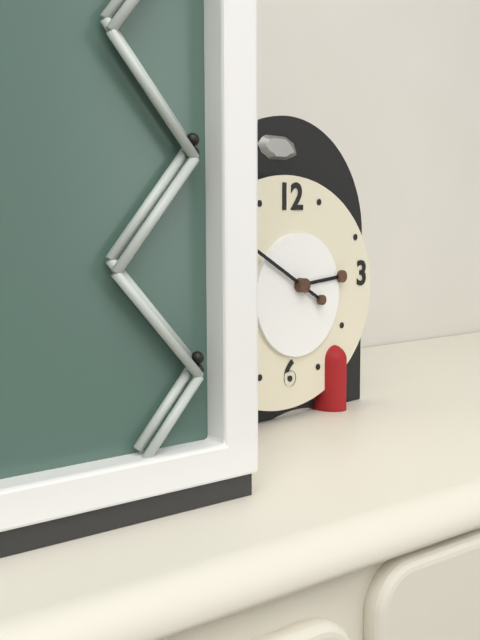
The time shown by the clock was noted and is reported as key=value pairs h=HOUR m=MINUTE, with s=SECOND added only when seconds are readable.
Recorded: h=2 m=50
